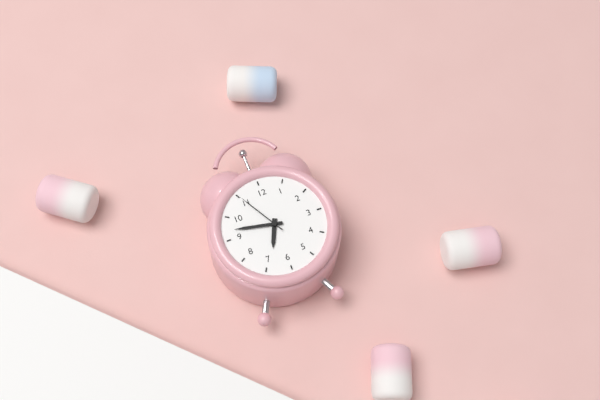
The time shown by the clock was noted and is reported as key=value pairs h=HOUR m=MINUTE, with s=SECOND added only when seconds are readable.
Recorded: h=6 m=47 s=55
